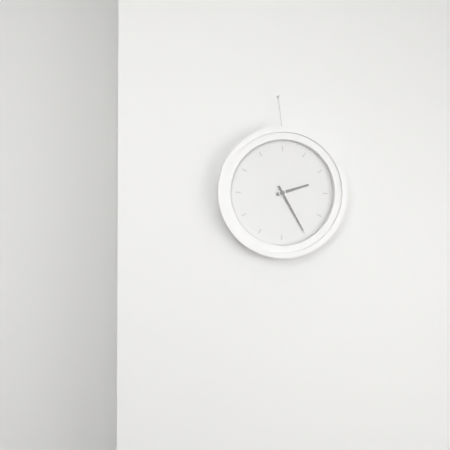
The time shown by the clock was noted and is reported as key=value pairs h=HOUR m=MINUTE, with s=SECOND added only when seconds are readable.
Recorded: h=2 m=25
